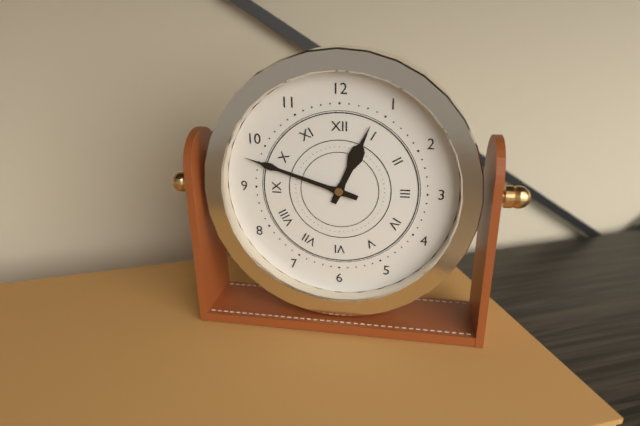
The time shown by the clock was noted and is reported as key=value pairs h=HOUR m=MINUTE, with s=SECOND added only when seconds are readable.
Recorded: h=12 m=48
